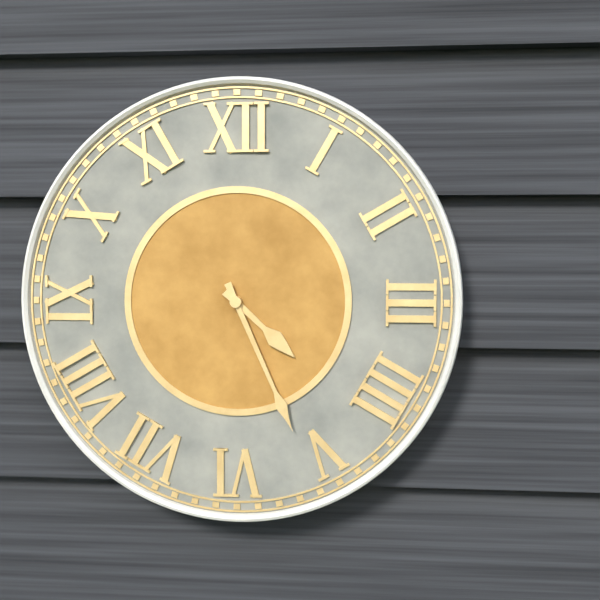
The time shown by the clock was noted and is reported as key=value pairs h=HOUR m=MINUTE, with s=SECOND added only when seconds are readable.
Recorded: h=4 m=26
